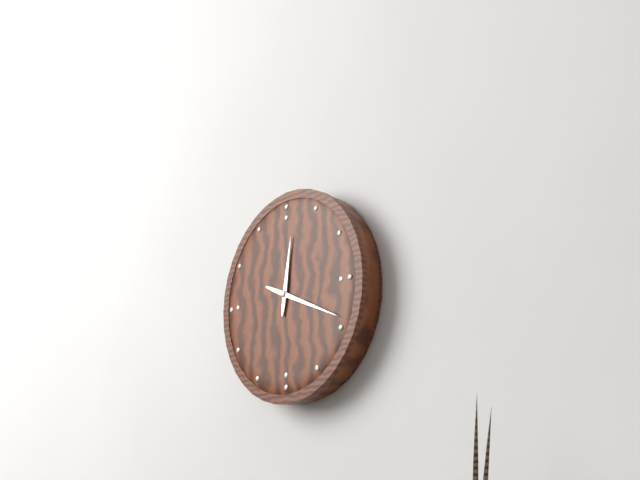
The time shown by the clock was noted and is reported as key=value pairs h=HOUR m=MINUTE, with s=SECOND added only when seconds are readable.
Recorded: h=12 m=19
